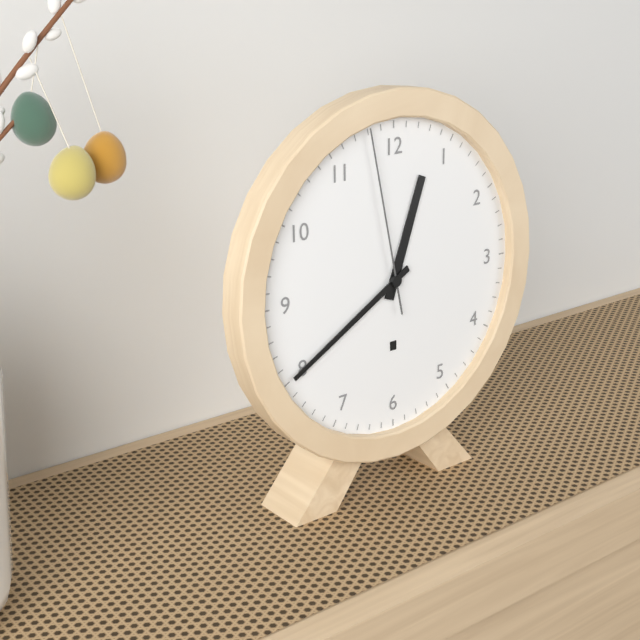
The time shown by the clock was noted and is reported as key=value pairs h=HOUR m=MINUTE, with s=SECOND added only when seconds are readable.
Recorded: h=12 m=40 s=58
